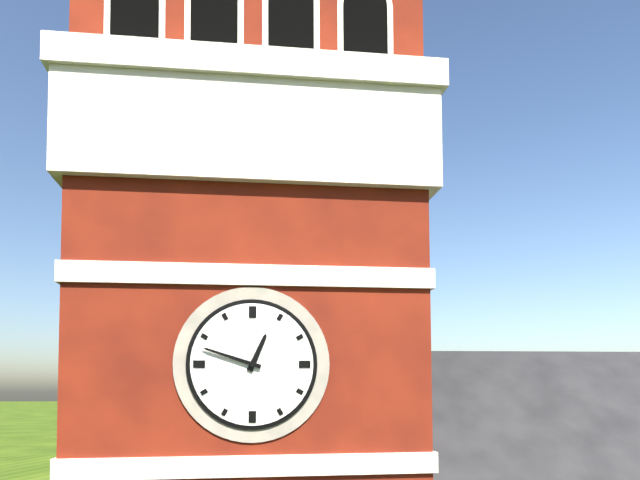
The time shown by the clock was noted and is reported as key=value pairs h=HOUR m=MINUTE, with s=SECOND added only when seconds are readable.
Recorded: h=12 m=48
